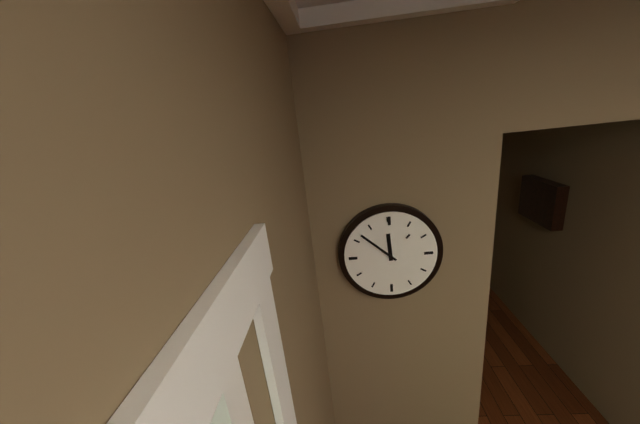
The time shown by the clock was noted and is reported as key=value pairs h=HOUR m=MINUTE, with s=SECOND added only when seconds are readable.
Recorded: h=11 m=52
